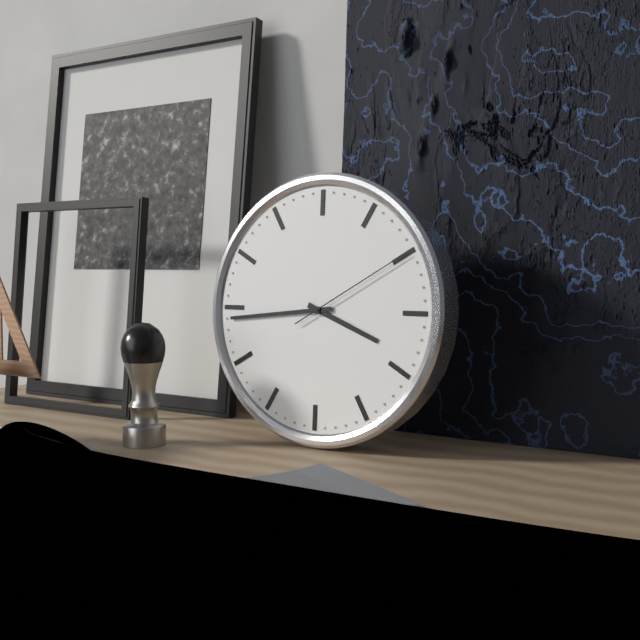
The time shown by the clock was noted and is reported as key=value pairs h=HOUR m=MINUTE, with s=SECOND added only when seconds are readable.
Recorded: h=3 m=44 s=10
